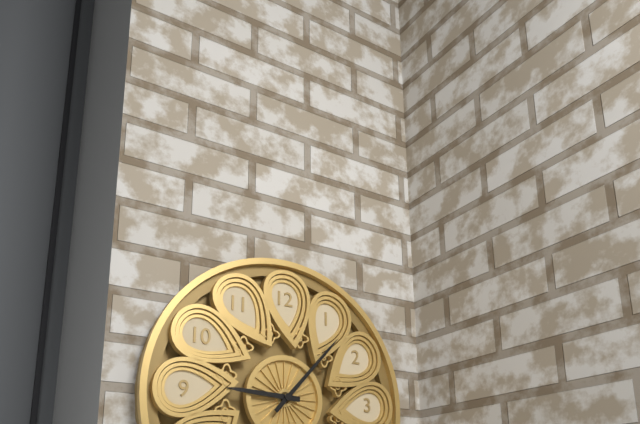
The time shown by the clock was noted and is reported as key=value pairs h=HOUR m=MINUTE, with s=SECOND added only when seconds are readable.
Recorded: h=9 m=7
